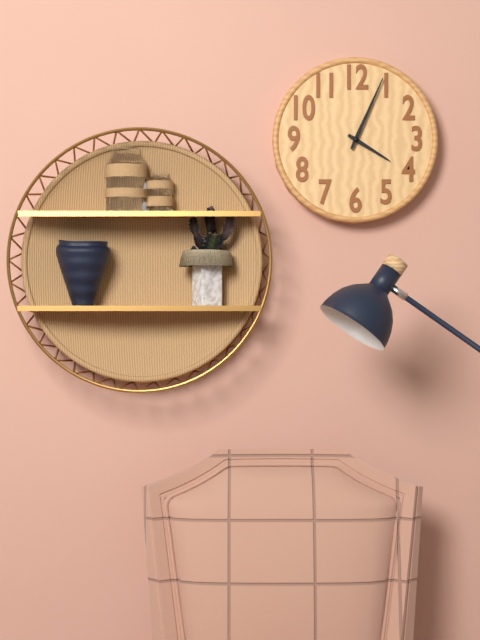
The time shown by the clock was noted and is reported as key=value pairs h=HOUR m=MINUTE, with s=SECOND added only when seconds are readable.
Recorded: h=4 m=4
